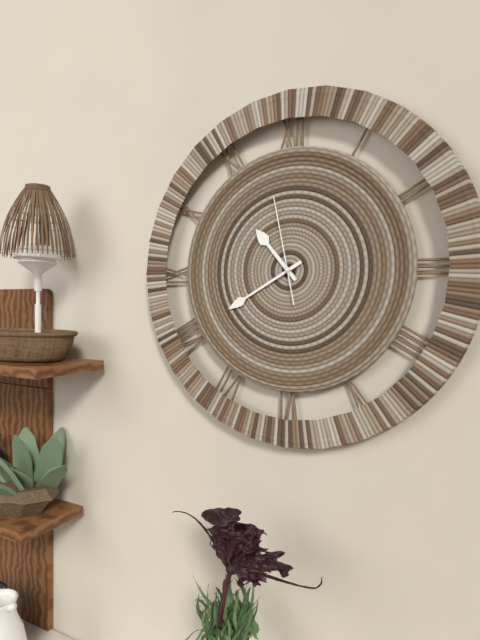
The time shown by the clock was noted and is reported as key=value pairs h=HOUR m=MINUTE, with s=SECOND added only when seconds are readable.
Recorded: h=10 m=40 s=58
